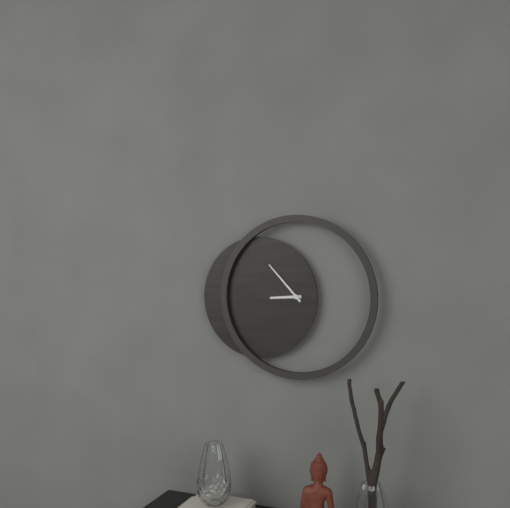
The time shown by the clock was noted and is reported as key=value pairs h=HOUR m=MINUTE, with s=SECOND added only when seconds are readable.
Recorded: h=8 m=53
